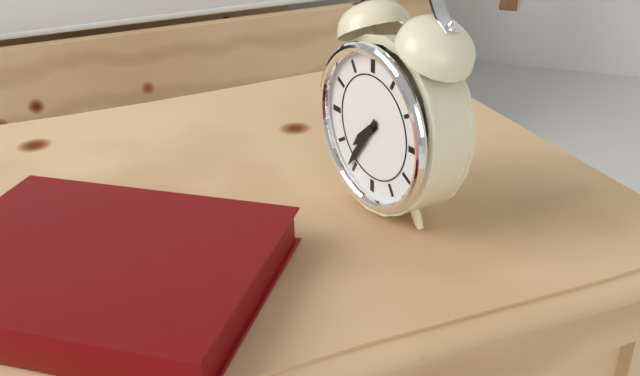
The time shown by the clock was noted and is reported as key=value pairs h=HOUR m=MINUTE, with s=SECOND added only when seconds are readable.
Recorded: h=7 m=36
